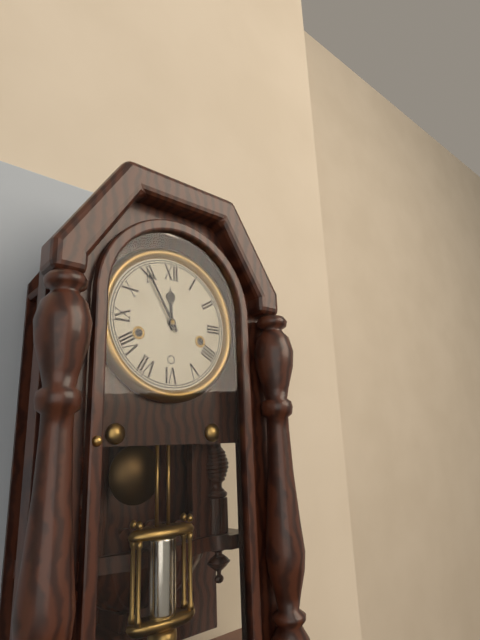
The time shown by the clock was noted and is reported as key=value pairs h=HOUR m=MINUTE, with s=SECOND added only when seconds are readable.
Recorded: h=11 m=55
